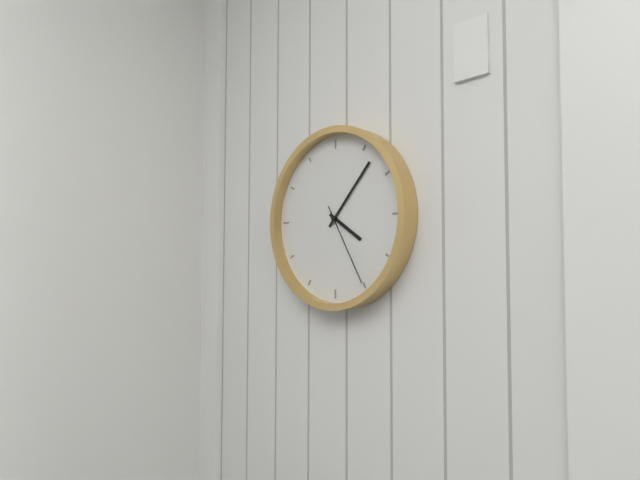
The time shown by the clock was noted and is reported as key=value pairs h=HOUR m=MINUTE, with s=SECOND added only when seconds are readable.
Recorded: h=4 m=7 s=25
